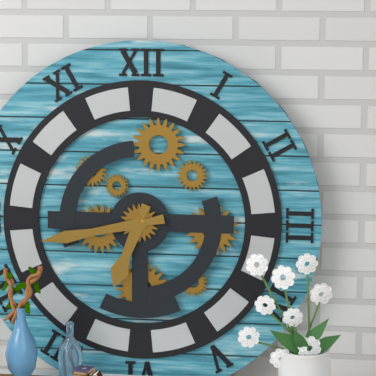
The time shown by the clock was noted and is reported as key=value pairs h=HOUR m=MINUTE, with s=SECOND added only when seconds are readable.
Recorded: h=6 m=43
